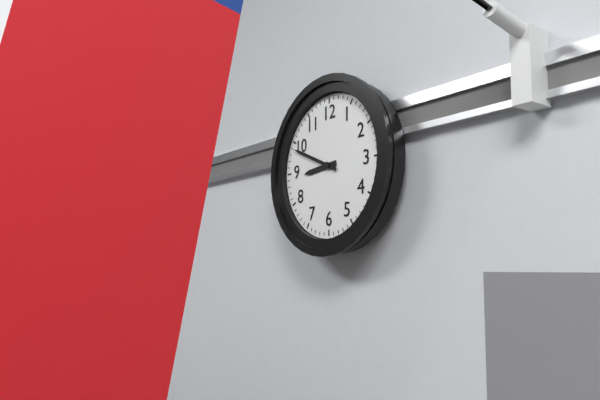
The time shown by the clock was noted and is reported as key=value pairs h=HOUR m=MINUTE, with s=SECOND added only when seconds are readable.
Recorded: h=8 m=49
